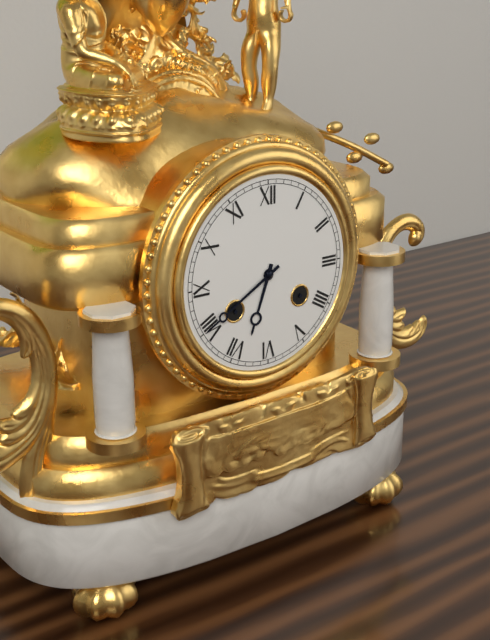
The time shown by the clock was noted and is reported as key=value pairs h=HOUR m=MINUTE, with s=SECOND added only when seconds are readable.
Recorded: h=6 m=40
